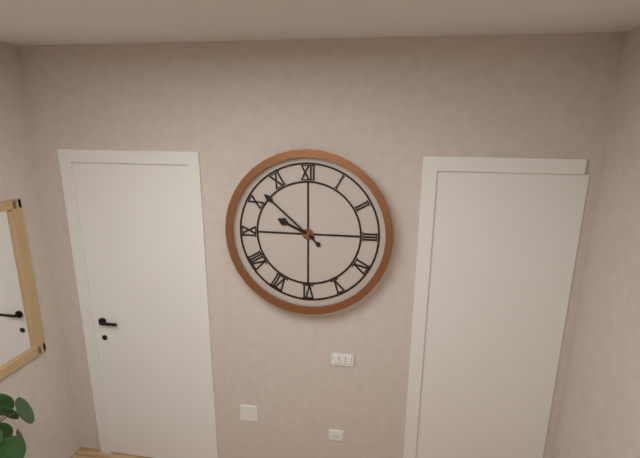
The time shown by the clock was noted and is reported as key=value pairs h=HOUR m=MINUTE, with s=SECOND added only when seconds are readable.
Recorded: h=9 m=52
